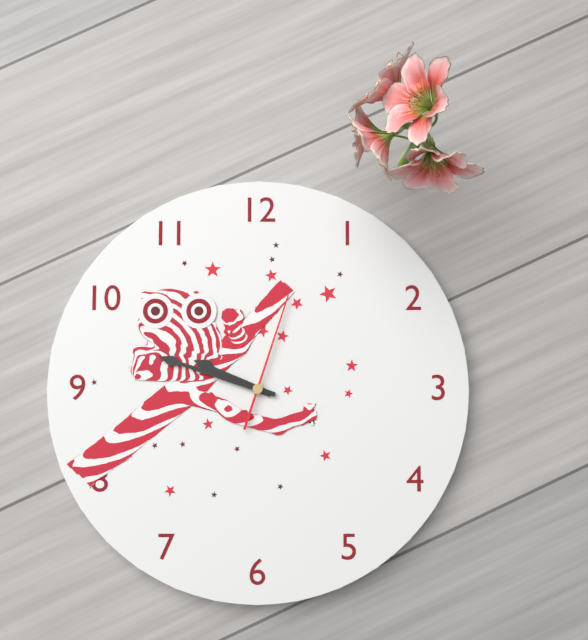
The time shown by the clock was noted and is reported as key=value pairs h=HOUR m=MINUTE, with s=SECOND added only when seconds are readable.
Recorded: h=9 m=48 s=3
